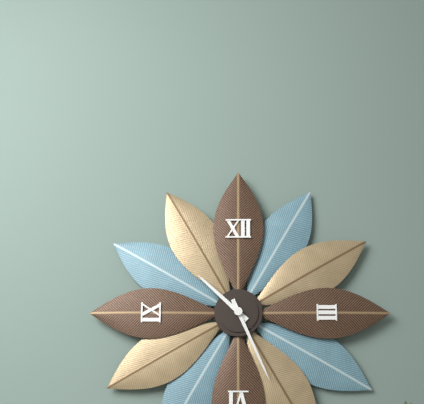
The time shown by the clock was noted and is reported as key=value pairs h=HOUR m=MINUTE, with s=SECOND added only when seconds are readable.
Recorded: h=10 m=26
